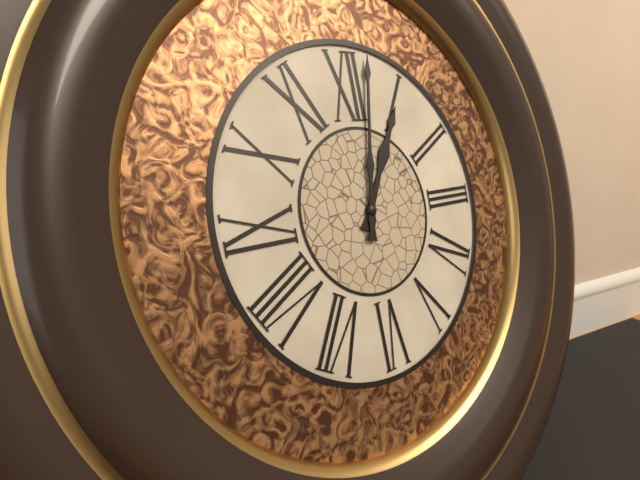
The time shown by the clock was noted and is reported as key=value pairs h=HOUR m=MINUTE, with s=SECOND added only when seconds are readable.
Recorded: h=1 m=2
